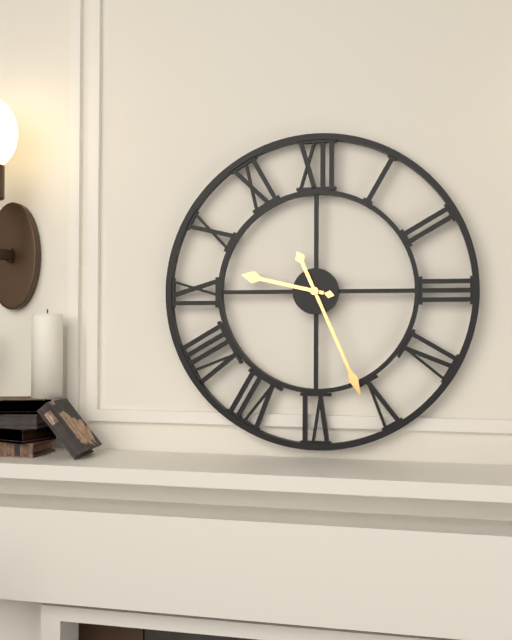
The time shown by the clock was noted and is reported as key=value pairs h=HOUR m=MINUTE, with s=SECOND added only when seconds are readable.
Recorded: h=9 m=26
